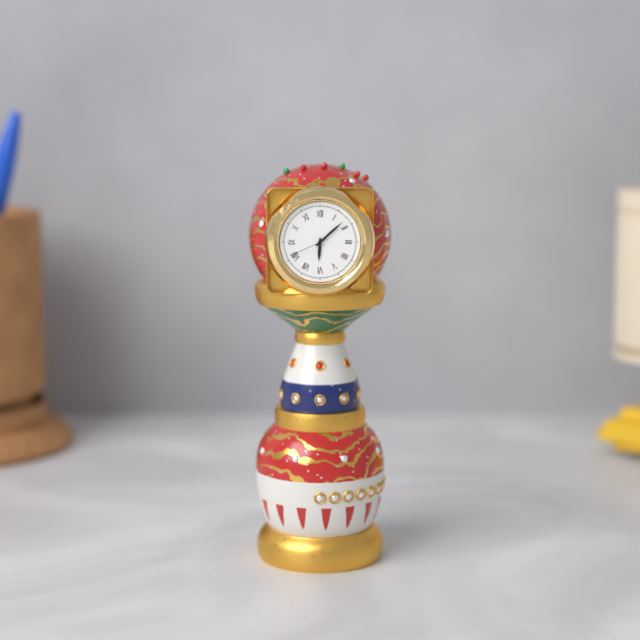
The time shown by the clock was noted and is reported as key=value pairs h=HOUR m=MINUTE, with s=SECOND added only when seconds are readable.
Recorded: h=6 m=8
